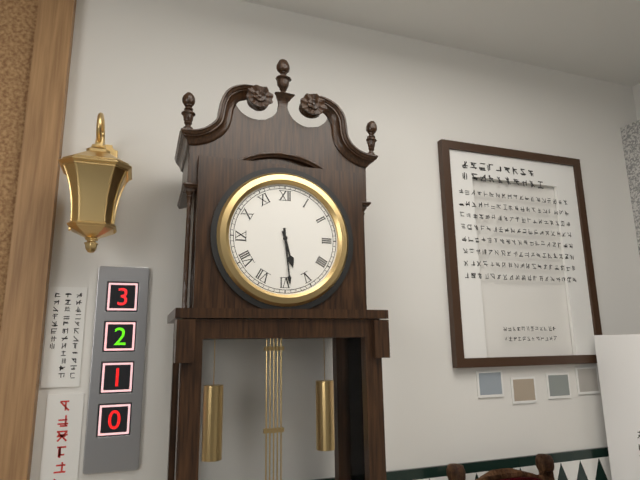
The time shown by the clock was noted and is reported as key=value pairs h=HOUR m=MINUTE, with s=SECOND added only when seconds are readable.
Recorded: h=5 m=29
